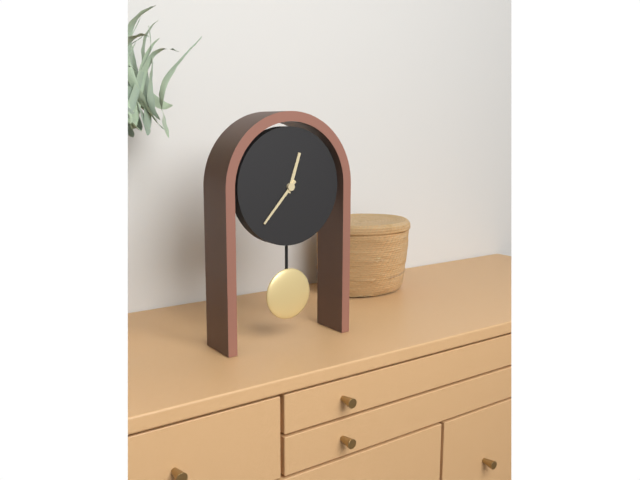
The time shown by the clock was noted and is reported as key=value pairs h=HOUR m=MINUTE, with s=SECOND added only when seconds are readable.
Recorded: h=12 m=37
